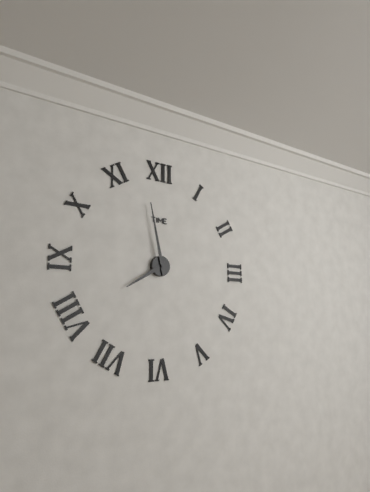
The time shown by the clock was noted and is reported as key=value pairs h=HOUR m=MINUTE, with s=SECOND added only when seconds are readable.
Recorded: h=7 m=58
